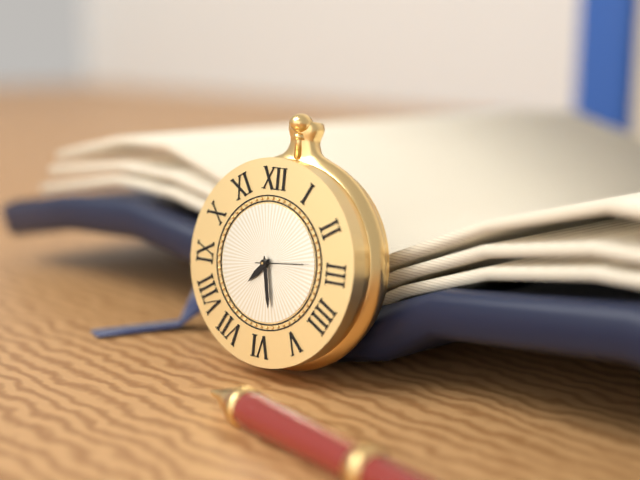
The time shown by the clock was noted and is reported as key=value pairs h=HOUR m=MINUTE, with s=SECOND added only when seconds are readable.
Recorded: h=7 m=28
